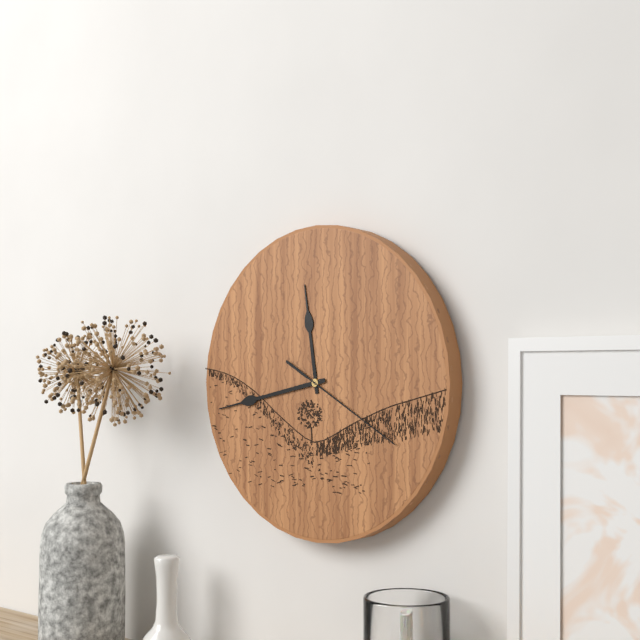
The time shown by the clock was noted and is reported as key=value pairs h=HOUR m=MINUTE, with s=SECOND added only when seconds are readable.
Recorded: h=11 m=43 s=20
